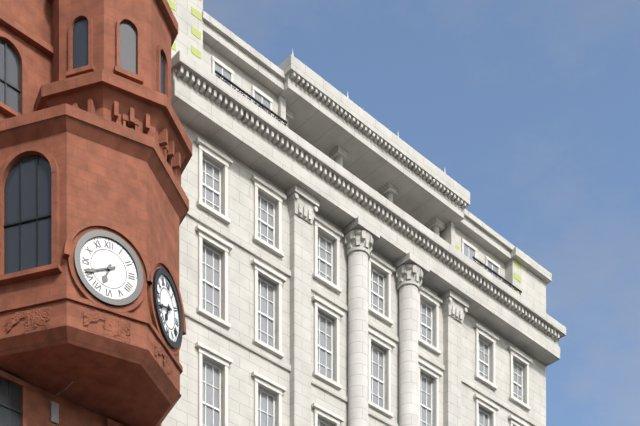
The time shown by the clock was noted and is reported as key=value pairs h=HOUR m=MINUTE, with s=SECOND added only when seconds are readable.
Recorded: h=6 m=41
